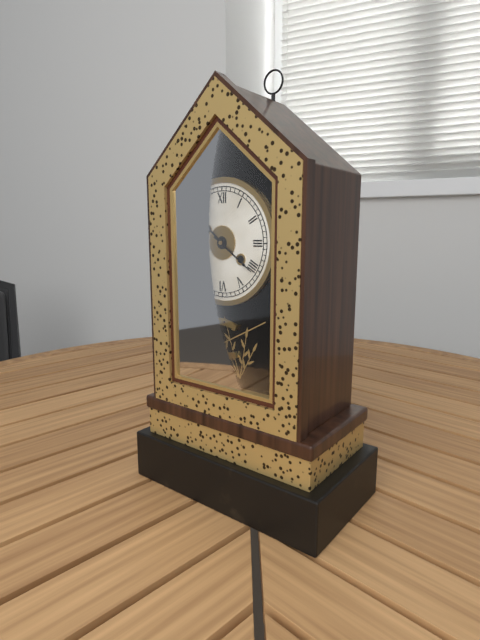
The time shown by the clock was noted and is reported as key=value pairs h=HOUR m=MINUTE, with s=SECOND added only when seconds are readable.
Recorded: h=10 m=21
